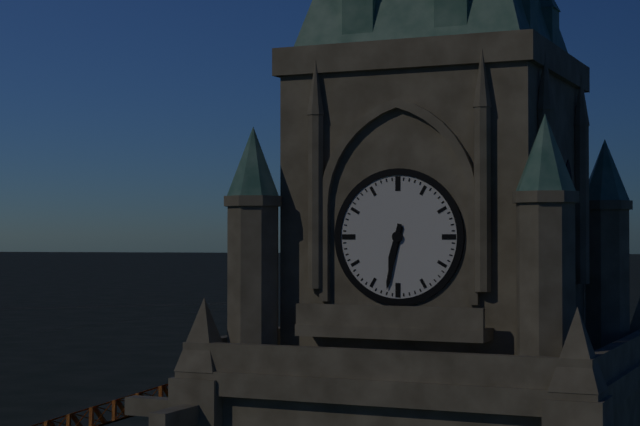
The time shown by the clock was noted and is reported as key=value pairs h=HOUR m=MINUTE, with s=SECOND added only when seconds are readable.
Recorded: h=6 m=32
